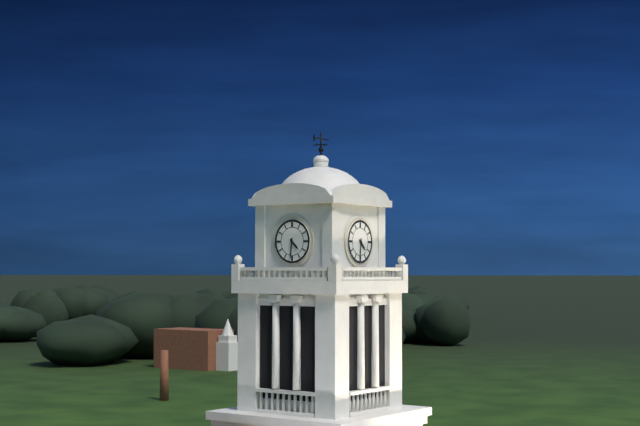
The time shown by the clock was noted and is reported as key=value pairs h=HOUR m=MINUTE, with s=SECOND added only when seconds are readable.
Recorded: h=4 m=31
